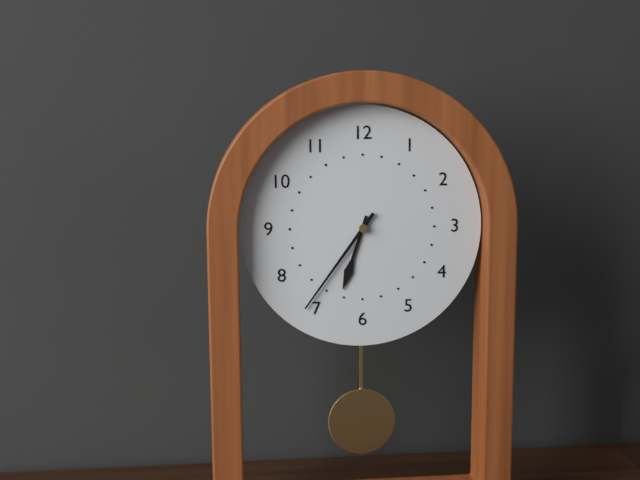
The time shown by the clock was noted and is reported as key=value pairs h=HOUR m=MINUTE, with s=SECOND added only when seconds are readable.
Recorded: h=6 m=36
